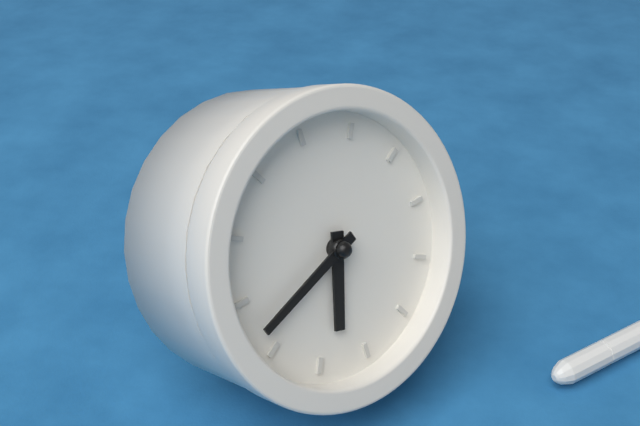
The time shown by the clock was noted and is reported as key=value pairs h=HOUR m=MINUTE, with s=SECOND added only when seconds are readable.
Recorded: h=5 m=37
